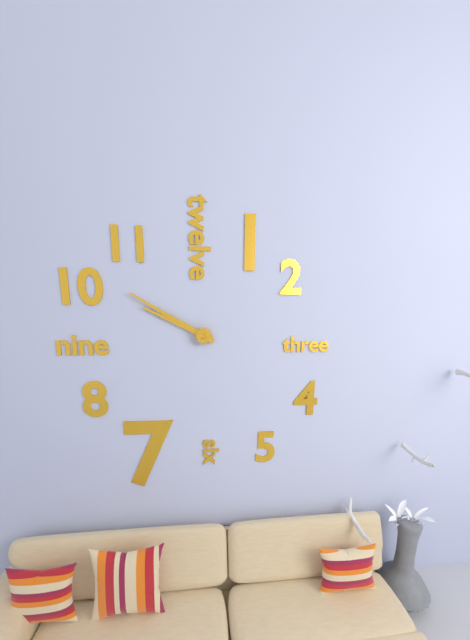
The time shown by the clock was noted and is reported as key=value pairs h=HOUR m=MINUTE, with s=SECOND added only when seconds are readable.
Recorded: h=9 m=50
